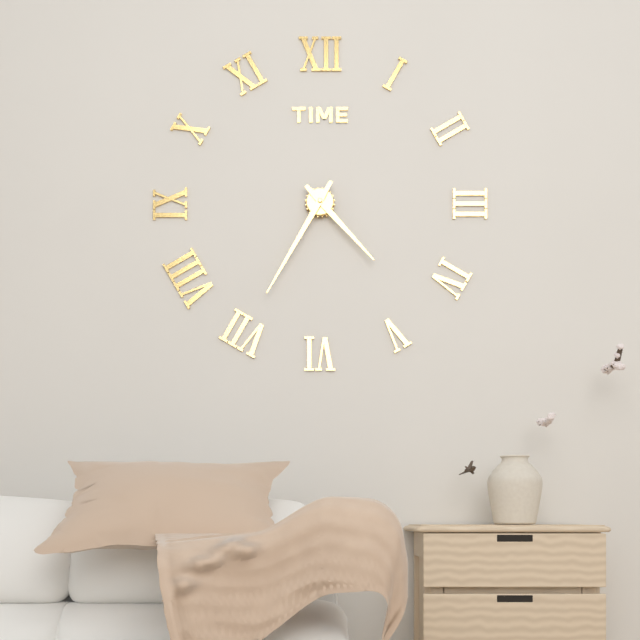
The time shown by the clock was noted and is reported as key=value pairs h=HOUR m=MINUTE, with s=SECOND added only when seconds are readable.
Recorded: h=4 m=35
